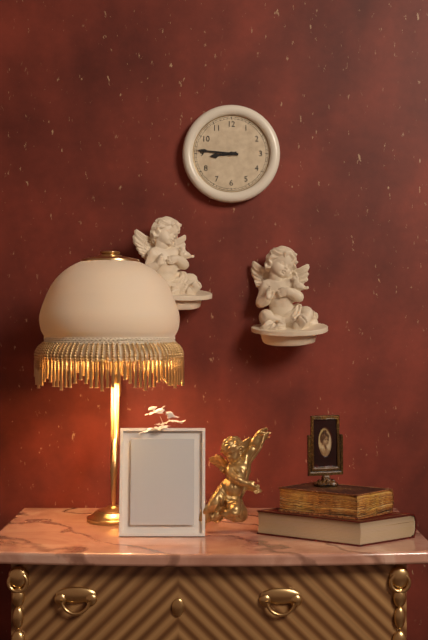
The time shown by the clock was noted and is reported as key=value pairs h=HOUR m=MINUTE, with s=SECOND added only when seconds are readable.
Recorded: h=8 m=46
